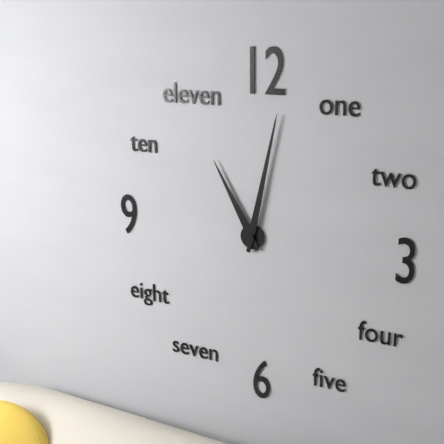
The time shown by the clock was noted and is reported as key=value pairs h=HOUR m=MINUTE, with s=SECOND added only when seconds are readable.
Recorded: h=11 m=2
